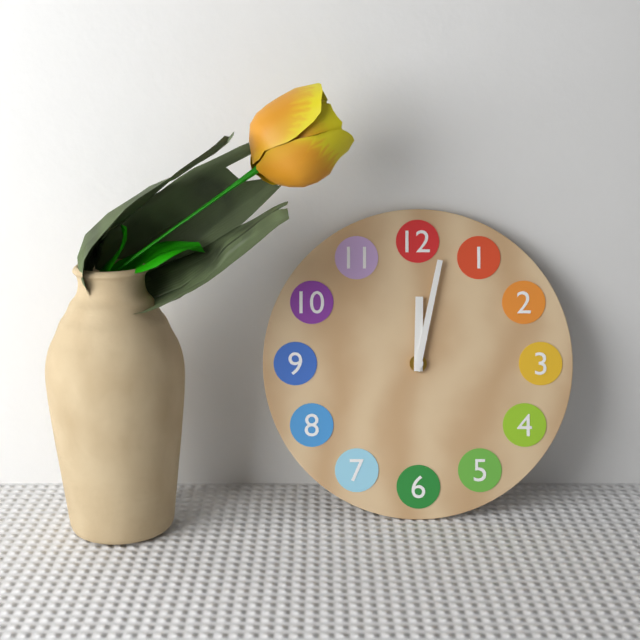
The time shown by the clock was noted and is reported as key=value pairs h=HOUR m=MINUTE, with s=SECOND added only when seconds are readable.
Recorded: h=12 m=2
